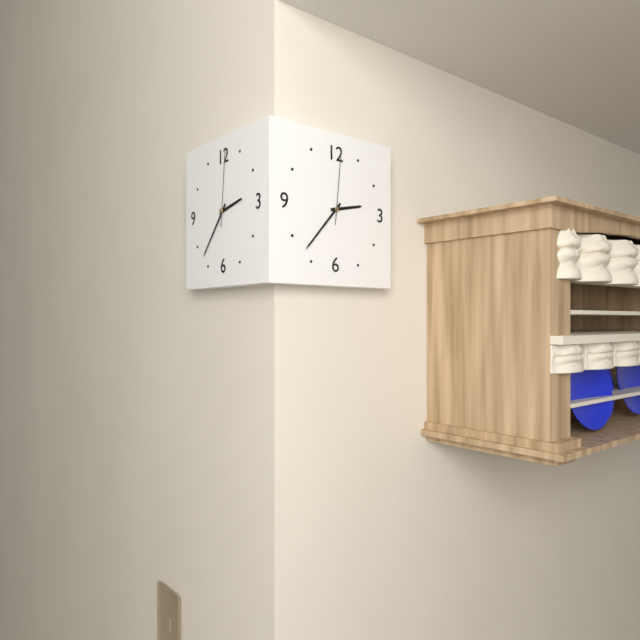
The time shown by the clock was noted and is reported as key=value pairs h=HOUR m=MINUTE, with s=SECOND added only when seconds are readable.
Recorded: h=2 m=37 s=1
